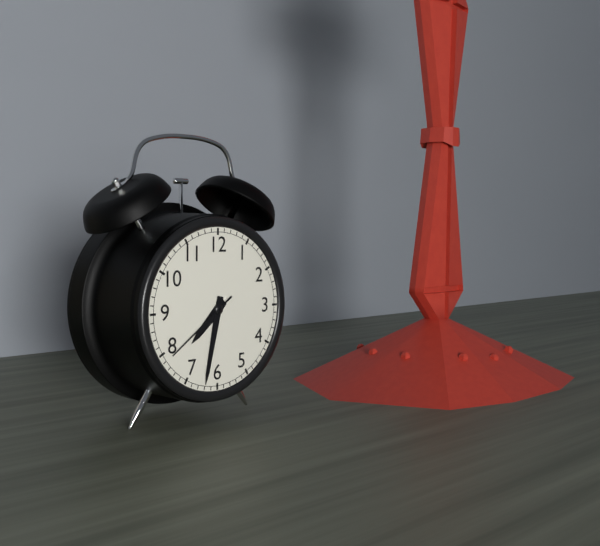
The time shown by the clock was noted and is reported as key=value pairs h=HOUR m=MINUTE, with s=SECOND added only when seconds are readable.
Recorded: h=7 m=32 s=39
